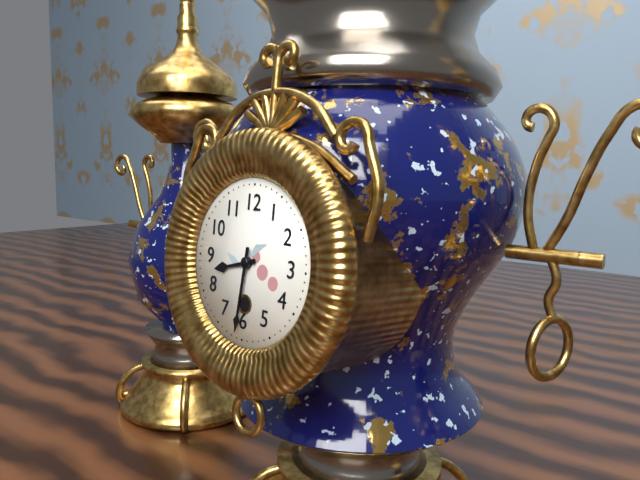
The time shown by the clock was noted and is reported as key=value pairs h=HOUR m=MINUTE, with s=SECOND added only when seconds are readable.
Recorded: h=8 m=31
